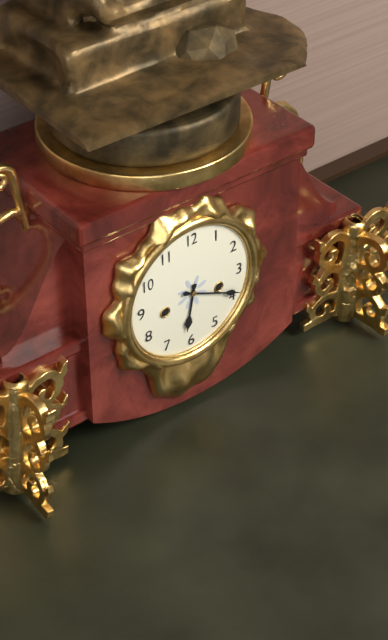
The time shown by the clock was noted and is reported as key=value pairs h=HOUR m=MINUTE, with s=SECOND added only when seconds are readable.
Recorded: h=6 m=19
